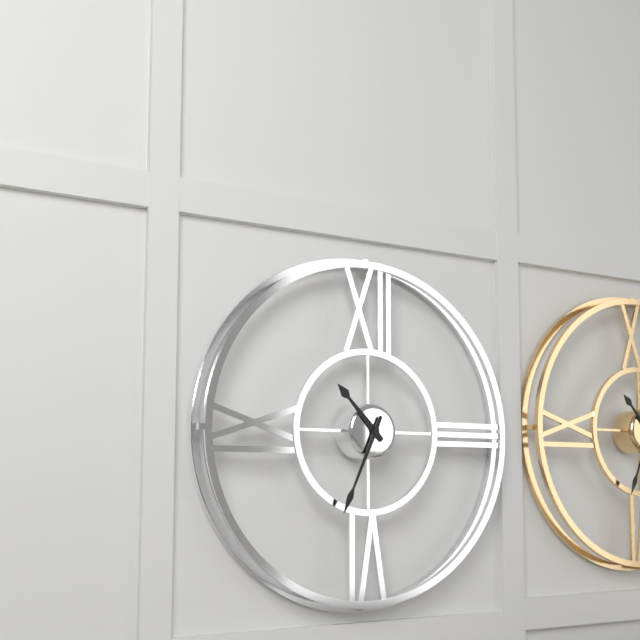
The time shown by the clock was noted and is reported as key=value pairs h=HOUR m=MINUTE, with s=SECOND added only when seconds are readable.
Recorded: h=10 m=34
